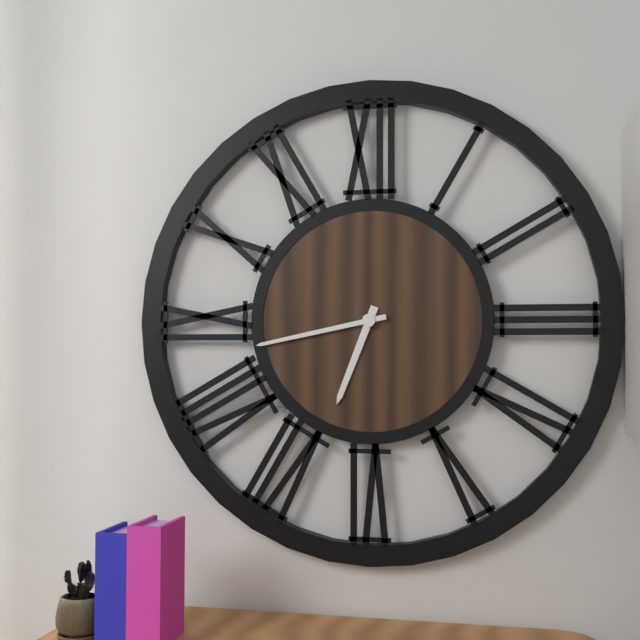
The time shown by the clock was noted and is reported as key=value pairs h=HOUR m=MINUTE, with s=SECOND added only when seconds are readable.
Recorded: h=6 m=43
